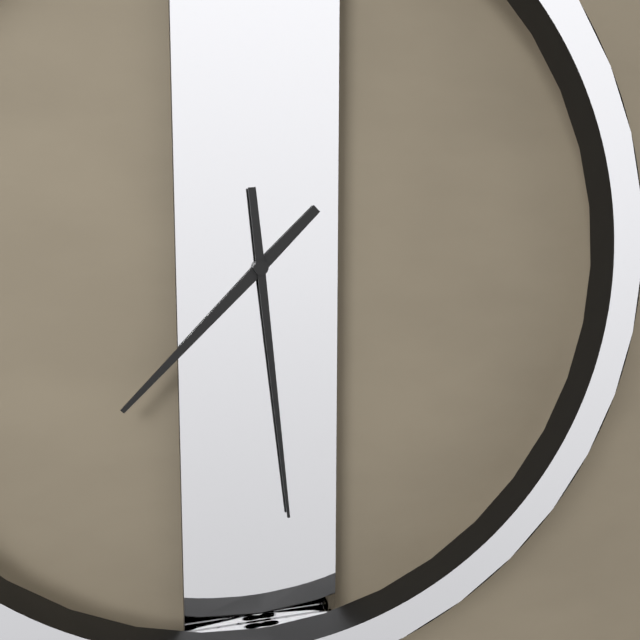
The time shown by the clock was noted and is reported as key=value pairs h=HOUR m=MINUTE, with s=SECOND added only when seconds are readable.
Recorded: h=7 m=29
